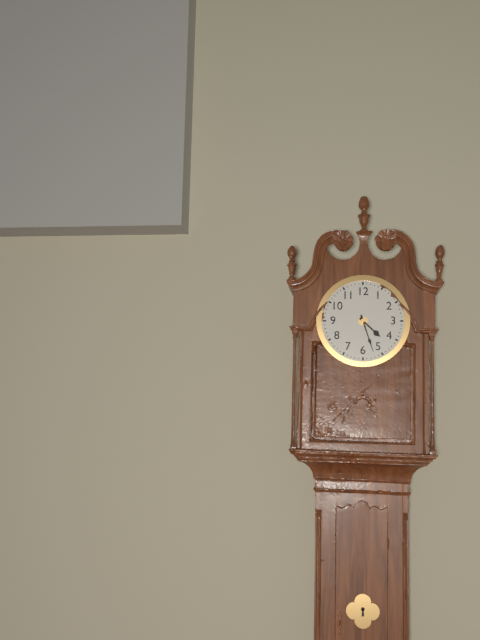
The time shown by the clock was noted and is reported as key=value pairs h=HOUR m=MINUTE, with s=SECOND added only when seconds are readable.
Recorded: h=4 m=27
